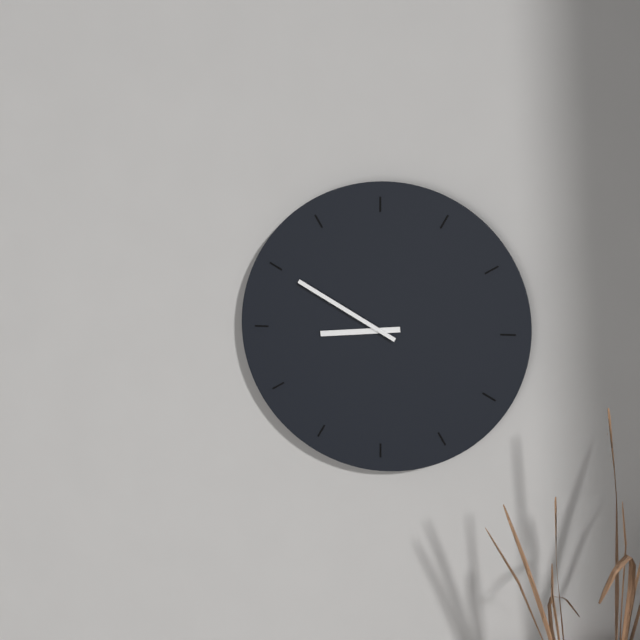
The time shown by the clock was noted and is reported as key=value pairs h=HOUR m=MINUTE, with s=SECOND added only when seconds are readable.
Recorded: h=8 m=50
